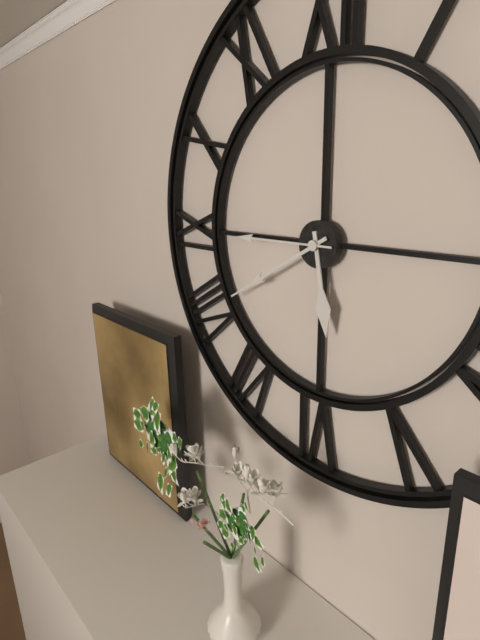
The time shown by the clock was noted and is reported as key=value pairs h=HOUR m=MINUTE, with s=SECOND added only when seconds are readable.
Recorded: h=5 m=40 s=45
